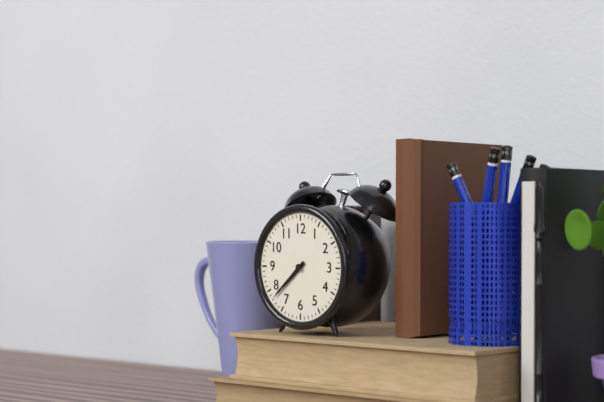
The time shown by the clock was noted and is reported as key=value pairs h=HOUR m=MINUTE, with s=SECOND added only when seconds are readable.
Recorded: h=7 m=38
